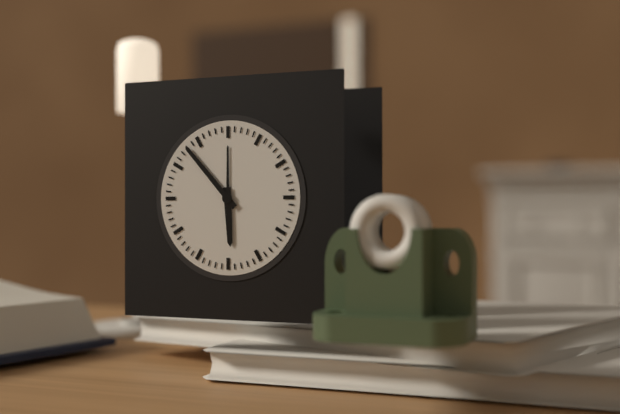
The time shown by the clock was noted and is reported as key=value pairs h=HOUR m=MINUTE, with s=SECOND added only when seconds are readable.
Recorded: h=5 m=53
